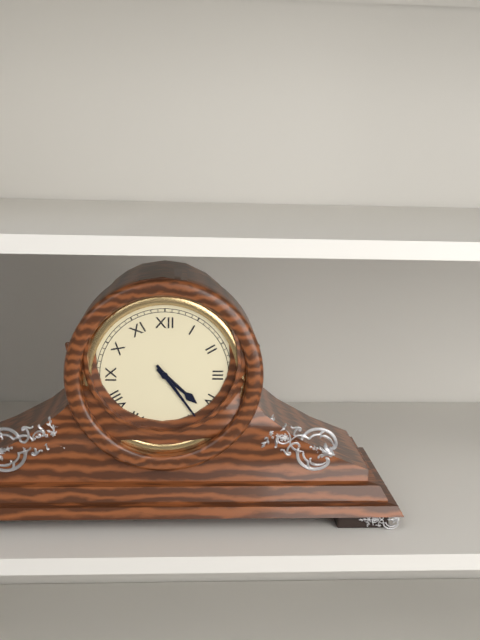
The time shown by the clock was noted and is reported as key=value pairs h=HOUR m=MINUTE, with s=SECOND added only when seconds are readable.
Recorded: h=4 m=24
